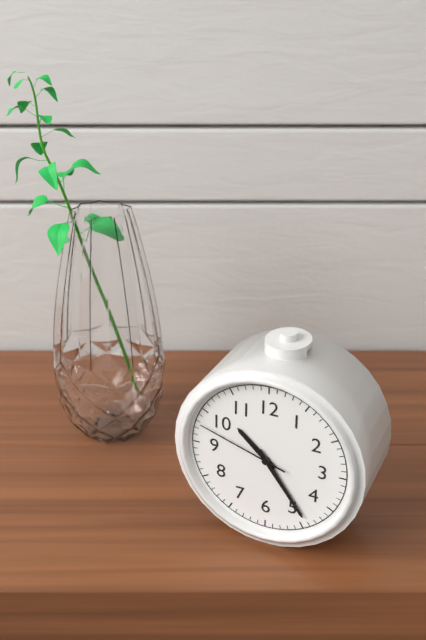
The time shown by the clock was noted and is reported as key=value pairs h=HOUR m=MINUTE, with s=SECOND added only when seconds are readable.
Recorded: h=10 m=24 s=48
